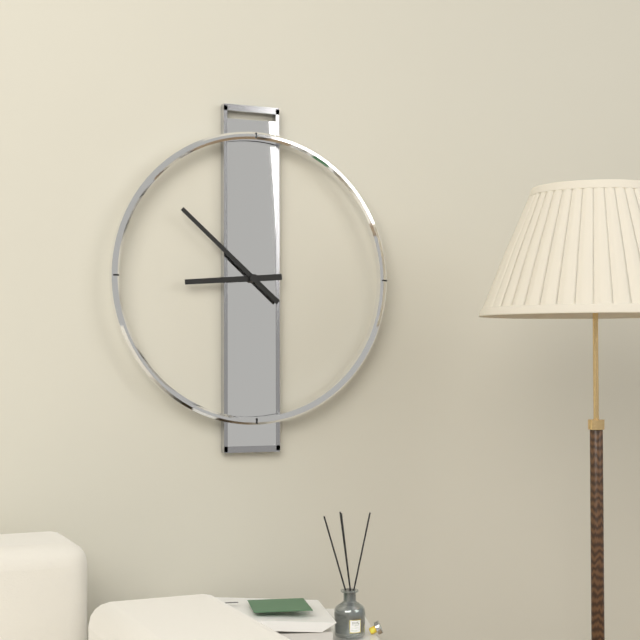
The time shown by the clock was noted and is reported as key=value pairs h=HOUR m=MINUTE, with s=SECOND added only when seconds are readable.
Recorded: h=8 m=52
